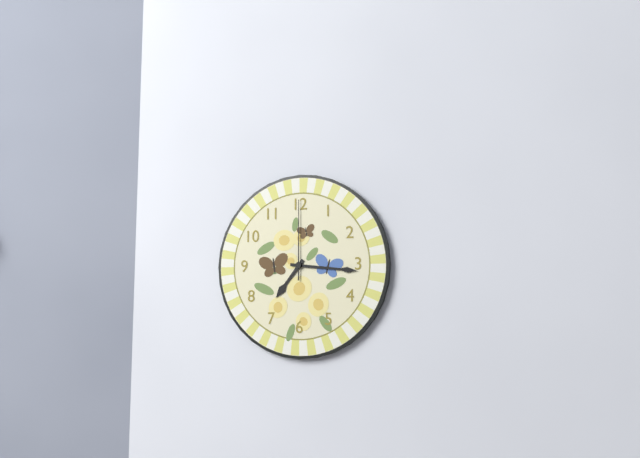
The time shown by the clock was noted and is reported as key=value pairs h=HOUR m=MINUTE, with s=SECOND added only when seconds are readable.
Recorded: h=7 m=16 s=0
